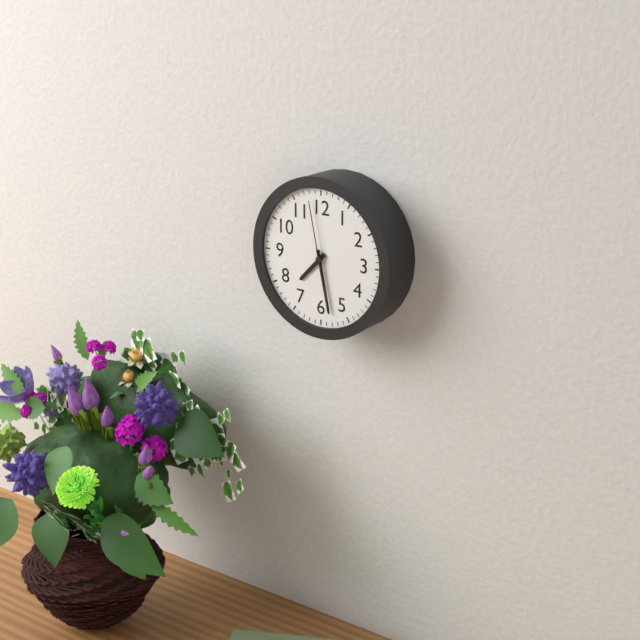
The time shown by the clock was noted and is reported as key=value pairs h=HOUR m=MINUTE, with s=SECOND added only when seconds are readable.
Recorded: h=7 m=28 s=58
